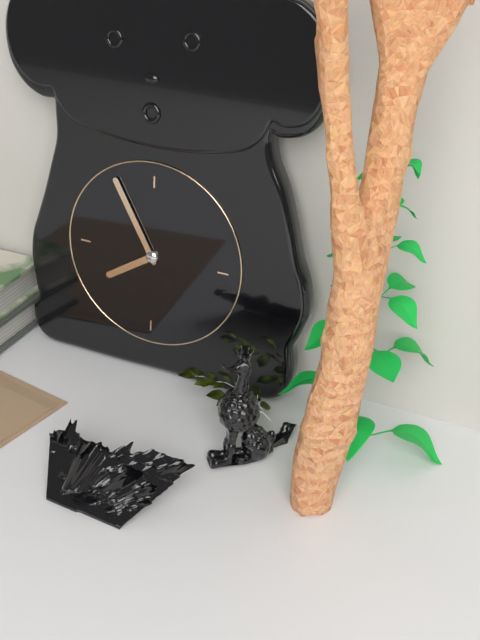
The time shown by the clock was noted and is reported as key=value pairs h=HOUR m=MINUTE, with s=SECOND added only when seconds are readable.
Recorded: h=7 m=55
